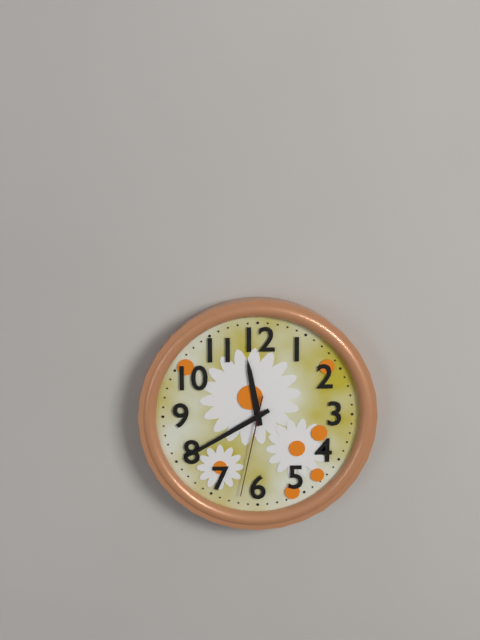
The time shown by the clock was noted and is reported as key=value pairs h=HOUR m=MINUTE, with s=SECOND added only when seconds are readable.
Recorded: h=11 m=40 s=32
